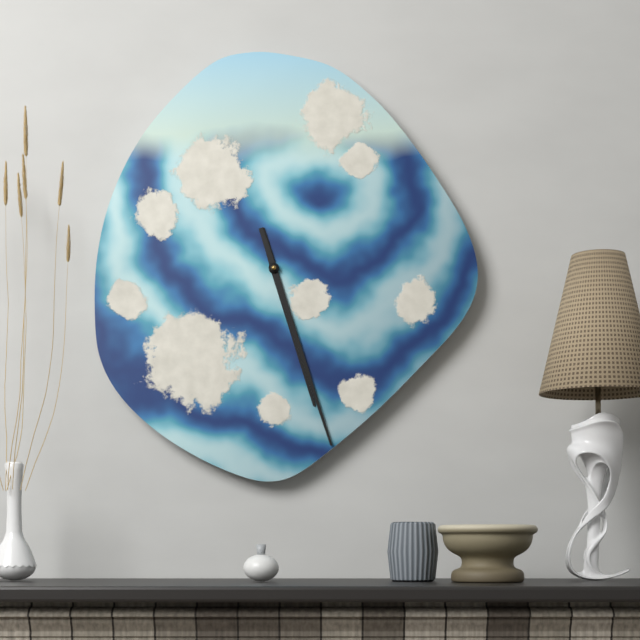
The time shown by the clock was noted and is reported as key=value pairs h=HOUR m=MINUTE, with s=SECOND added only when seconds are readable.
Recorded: h=5 m=27
